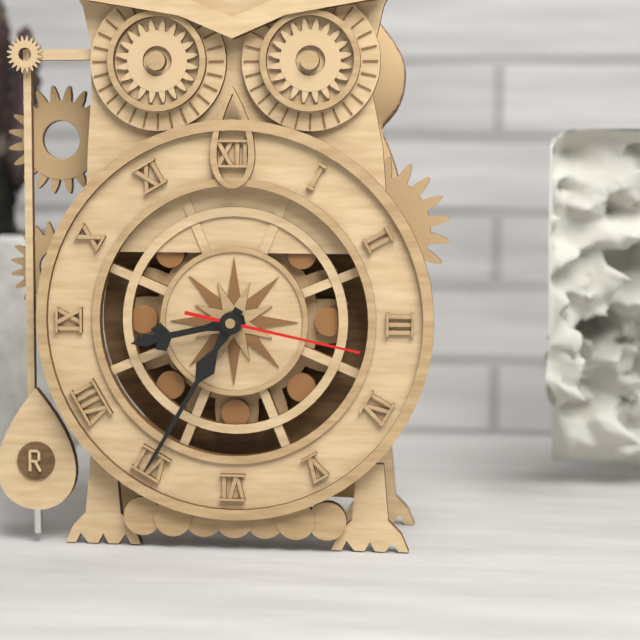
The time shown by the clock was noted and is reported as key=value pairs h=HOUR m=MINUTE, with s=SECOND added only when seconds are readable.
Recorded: h=8 m=35 s=17
